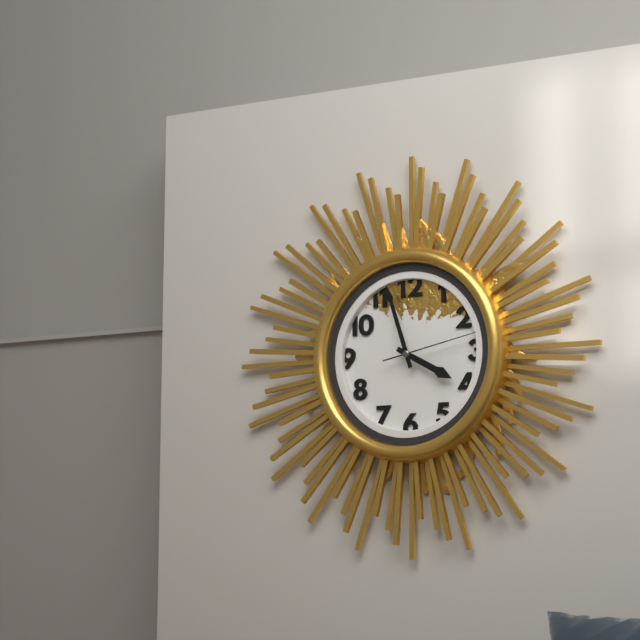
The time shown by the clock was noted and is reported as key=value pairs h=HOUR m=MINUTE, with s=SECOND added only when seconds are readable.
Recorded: h=3 m=57 s=13
